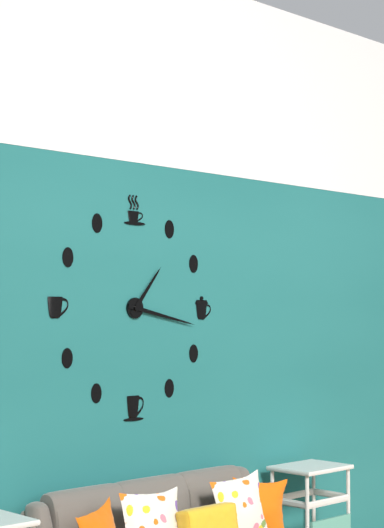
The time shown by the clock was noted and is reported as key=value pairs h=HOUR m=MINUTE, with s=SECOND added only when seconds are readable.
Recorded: h=1 m=17
